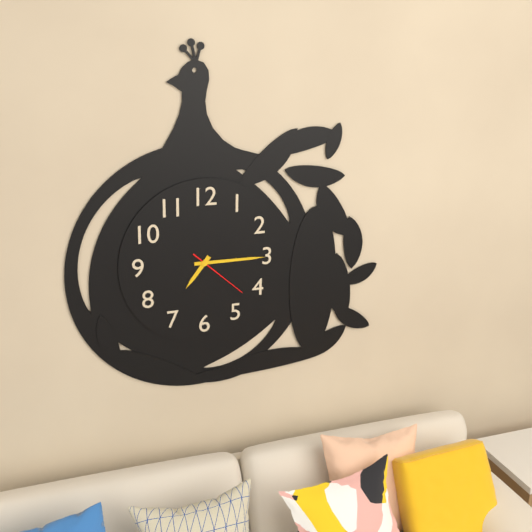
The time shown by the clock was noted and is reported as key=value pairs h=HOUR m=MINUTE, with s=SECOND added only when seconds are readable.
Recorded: h=7 m=15 s=22
